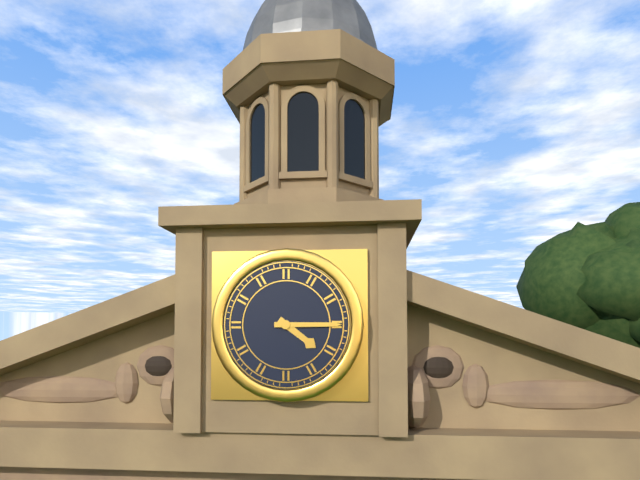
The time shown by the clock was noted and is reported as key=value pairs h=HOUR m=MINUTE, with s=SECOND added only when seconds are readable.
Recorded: h=4 m=15
